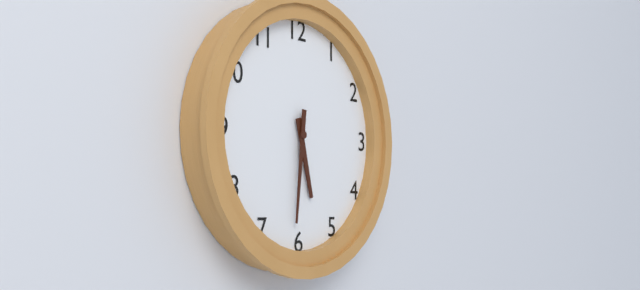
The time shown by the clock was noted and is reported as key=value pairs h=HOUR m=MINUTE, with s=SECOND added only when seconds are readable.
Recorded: h=5 m=31
